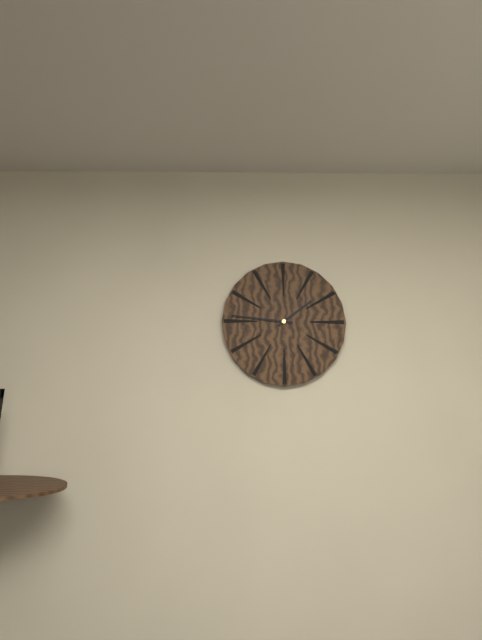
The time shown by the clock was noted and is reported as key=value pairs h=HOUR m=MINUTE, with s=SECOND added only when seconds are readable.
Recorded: h=1 m=46
